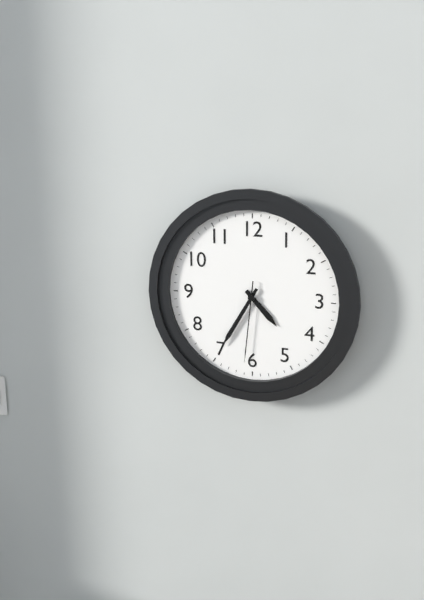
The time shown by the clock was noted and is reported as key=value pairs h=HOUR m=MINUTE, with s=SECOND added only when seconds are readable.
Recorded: h=4 m=35 s=31
